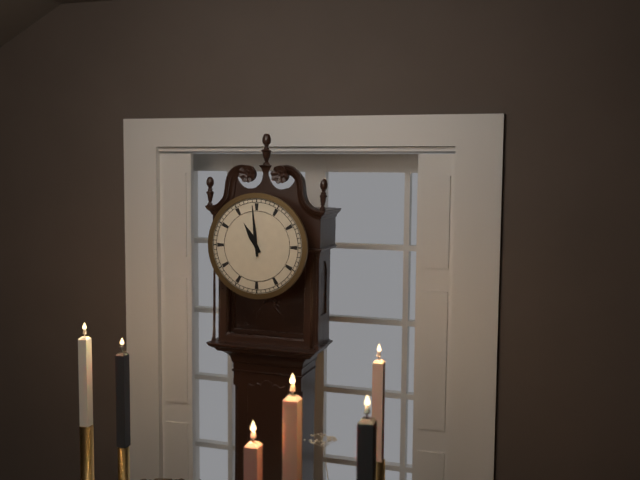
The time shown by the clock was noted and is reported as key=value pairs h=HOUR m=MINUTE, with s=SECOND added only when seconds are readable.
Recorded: h=10 m=59
